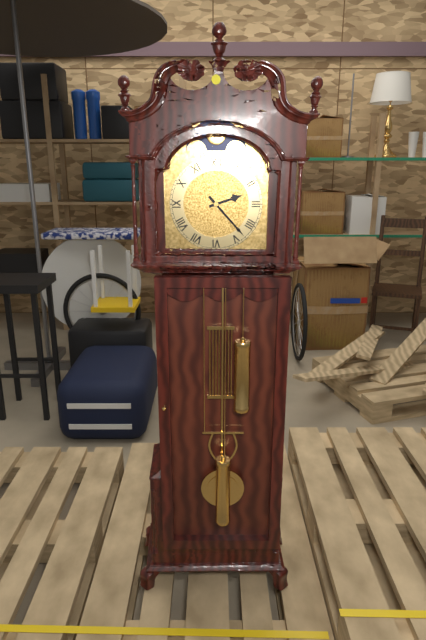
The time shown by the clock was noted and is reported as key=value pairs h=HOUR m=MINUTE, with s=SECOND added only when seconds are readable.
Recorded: h=2 m=23
